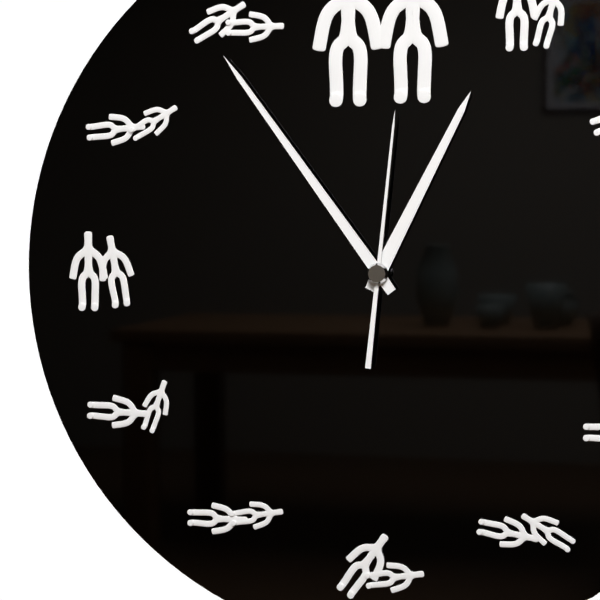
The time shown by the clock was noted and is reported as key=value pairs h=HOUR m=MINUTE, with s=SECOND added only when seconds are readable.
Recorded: h=12 m=54 s=1
